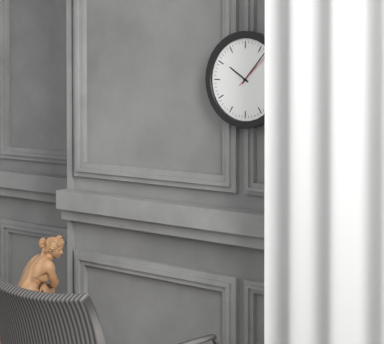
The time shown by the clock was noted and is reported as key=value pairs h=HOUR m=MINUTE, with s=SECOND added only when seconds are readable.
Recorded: h=10 m=7
